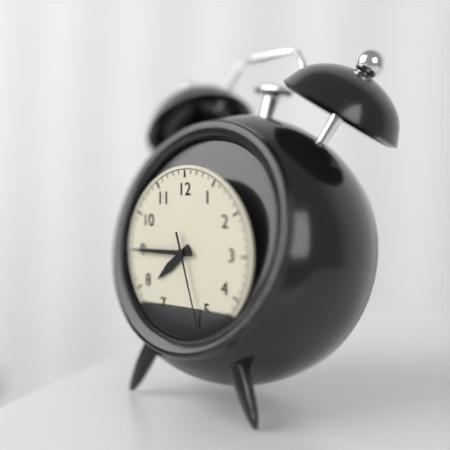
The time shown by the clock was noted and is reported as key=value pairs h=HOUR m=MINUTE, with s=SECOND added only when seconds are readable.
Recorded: h=7 m=45 s=27
